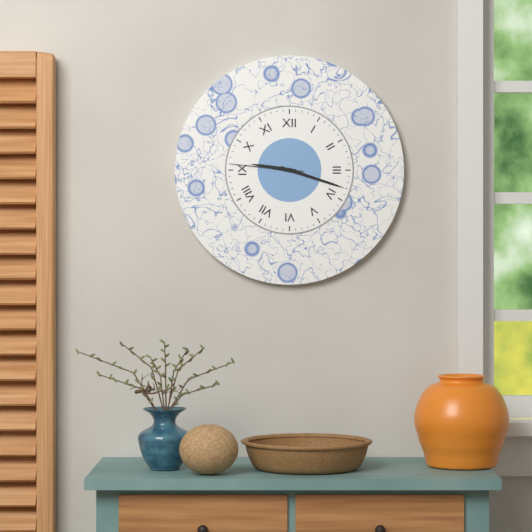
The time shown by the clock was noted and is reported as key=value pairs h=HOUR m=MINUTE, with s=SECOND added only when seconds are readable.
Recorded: h=9 m=18 s=46
